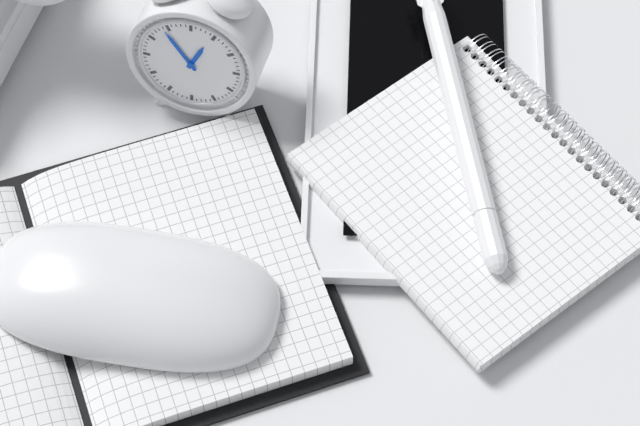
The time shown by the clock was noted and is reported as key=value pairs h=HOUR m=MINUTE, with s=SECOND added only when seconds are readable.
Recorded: h=12 m=54
